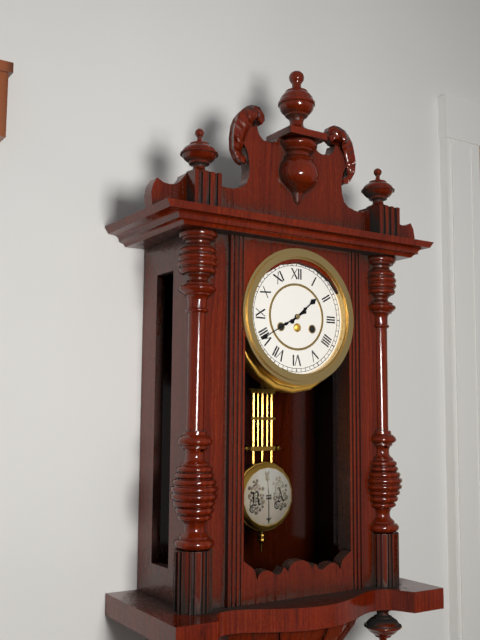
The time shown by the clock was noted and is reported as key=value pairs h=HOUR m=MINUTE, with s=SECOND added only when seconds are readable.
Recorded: h=1 m=40
